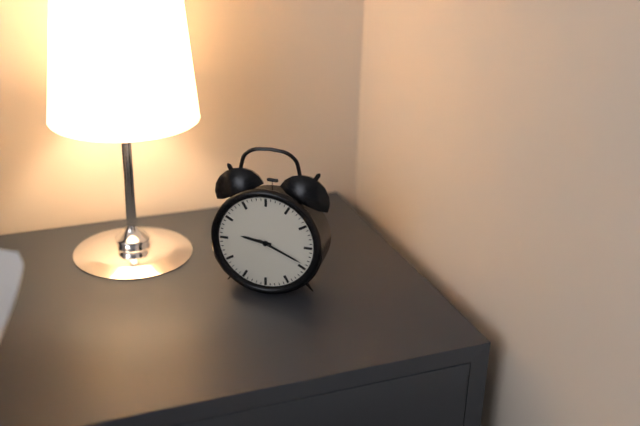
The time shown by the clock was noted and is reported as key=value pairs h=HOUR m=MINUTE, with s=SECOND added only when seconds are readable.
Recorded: h=9 m=19
